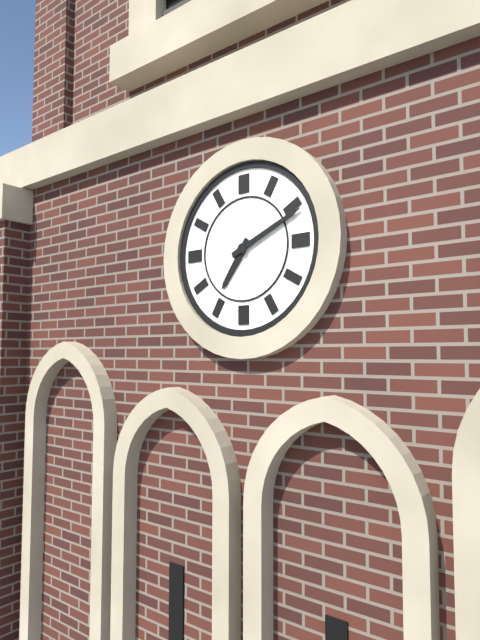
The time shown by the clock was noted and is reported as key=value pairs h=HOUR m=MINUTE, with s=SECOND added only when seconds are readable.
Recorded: h=7 m=11
